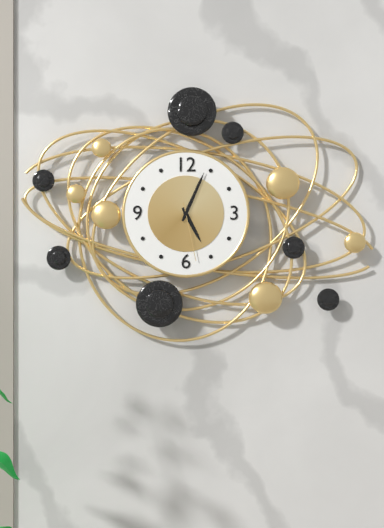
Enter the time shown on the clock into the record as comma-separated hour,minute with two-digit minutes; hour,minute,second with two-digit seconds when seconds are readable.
5,04,28
